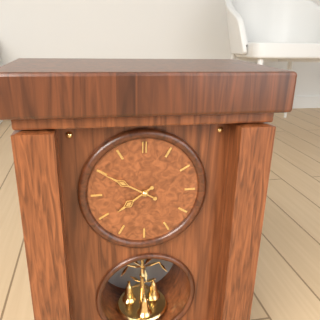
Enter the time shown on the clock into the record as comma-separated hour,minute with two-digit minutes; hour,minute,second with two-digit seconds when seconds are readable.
7,50
